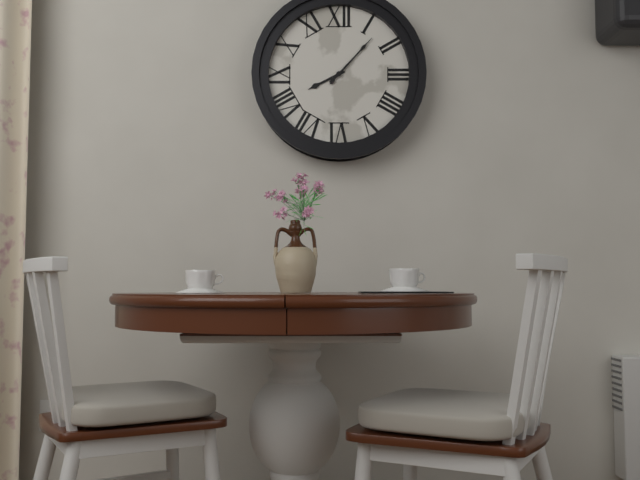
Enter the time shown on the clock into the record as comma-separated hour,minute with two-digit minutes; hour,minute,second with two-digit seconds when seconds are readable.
8,07
